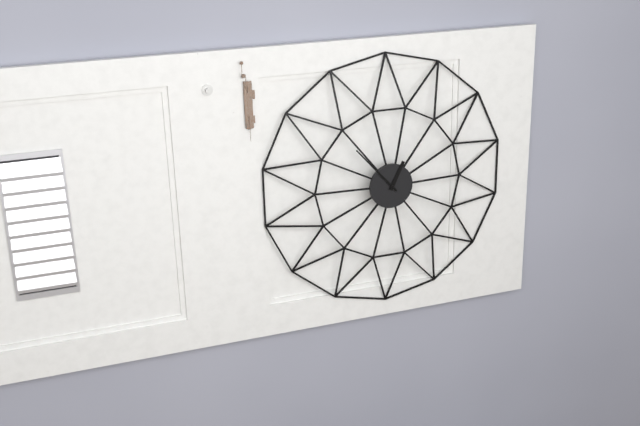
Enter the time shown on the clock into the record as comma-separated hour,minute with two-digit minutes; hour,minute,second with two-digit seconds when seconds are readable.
12,53
